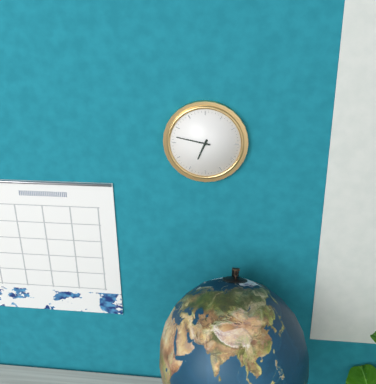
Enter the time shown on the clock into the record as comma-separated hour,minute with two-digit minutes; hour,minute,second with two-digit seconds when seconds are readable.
6,47
